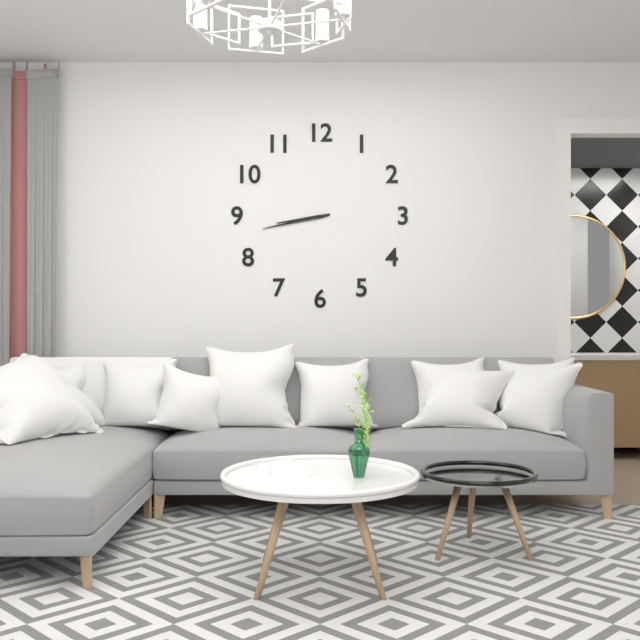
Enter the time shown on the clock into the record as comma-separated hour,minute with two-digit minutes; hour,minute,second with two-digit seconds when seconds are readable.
8,43
